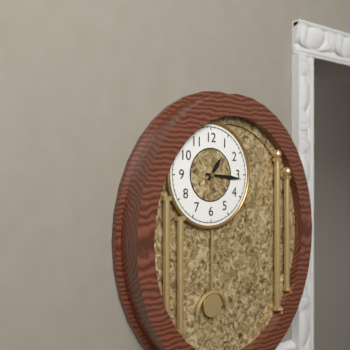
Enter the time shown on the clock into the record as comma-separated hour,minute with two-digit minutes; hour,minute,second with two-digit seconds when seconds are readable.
1,16
